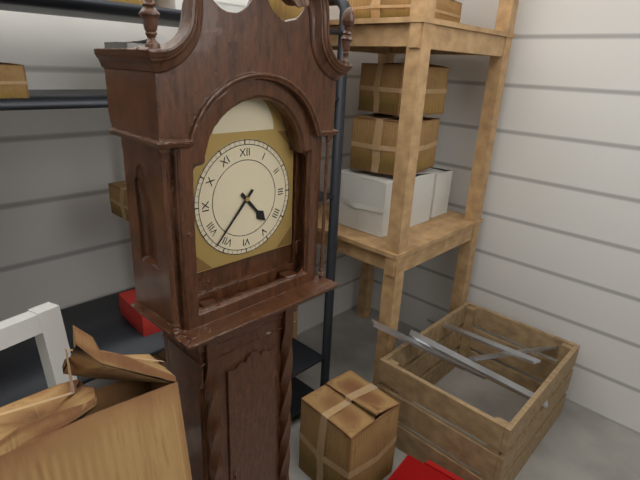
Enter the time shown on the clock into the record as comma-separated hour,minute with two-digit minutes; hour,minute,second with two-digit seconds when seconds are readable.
4,37
